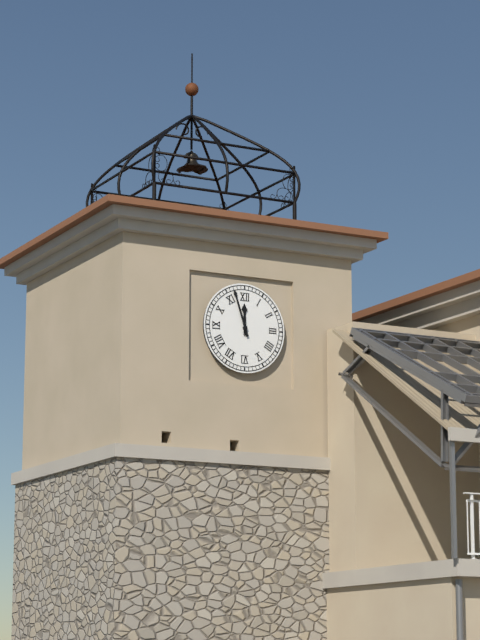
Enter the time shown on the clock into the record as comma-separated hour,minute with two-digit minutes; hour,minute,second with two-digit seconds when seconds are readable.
11,57
